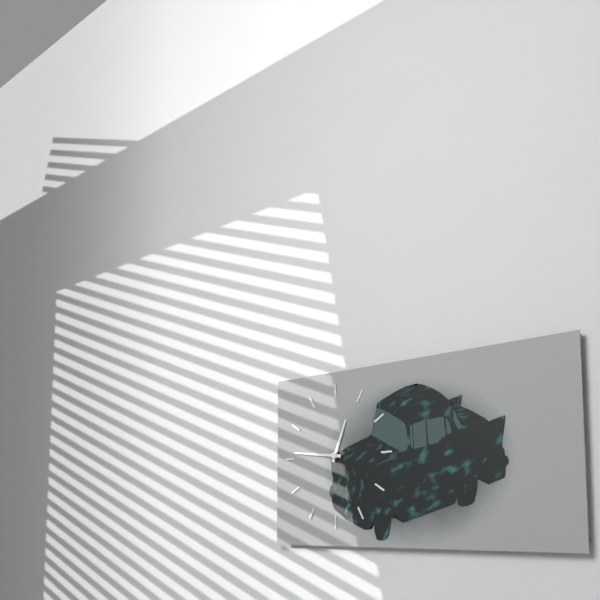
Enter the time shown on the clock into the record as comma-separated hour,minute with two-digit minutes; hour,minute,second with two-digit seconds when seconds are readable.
12,46
